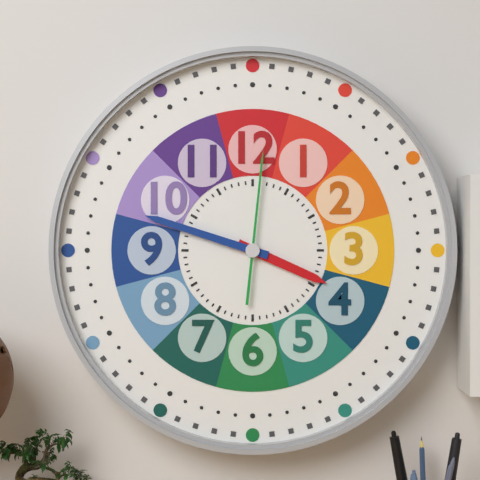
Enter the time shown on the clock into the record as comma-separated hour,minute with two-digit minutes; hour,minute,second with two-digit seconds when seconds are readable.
3,48,01
